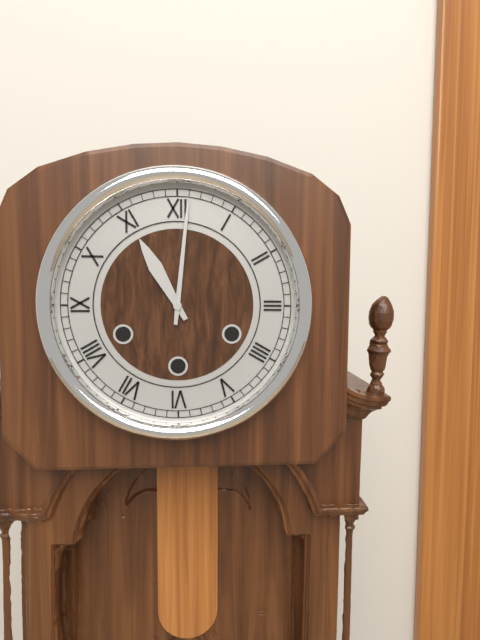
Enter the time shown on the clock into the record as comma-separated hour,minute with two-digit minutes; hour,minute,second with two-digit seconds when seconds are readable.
11,01
